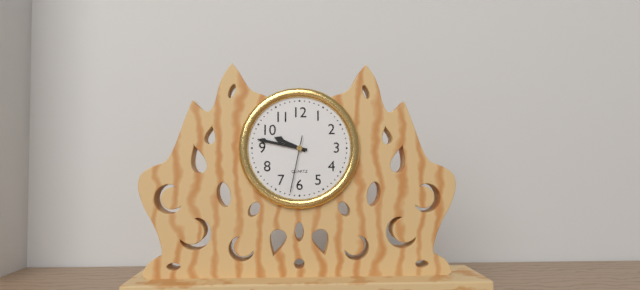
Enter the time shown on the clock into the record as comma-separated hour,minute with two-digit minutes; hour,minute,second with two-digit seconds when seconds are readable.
9,47,32
